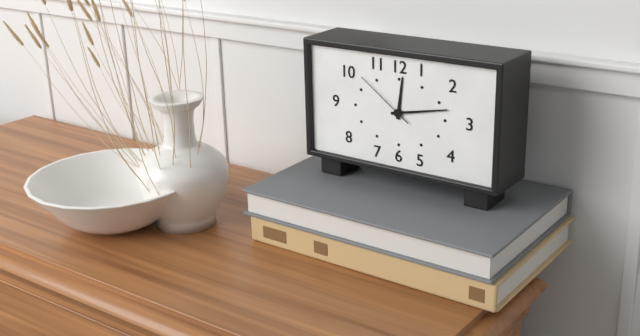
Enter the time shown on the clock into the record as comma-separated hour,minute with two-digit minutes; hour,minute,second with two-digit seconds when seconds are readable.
12,13,51
